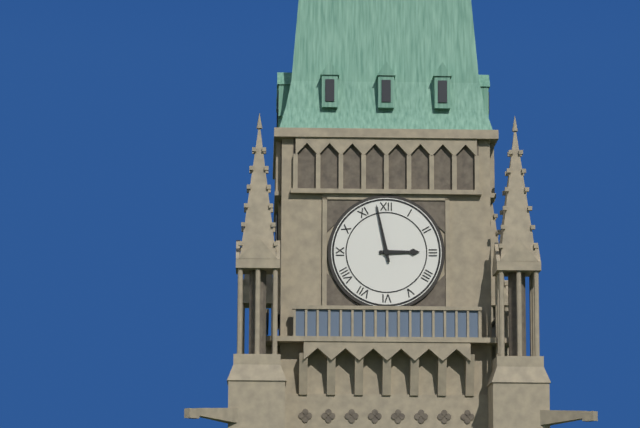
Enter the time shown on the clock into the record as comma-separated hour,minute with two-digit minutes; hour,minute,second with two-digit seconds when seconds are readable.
2,58
